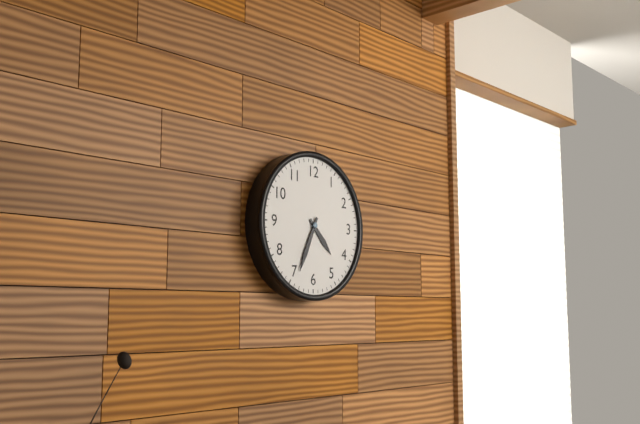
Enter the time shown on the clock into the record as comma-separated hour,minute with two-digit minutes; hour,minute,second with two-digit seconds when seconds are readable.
4,34
